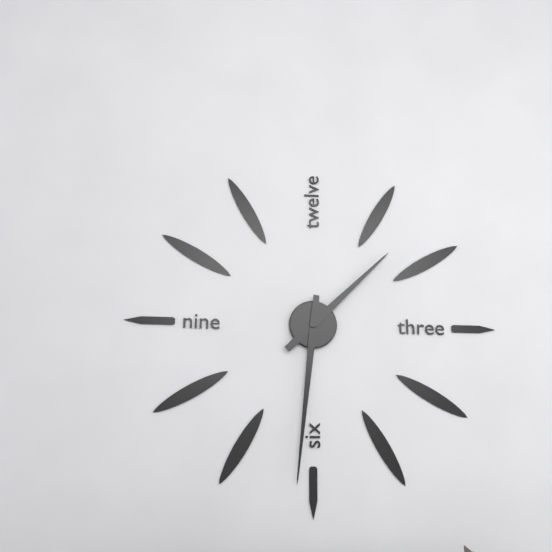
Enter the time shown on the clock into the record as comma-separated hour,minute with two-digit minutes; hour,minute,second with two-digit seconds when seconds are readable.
1,31
